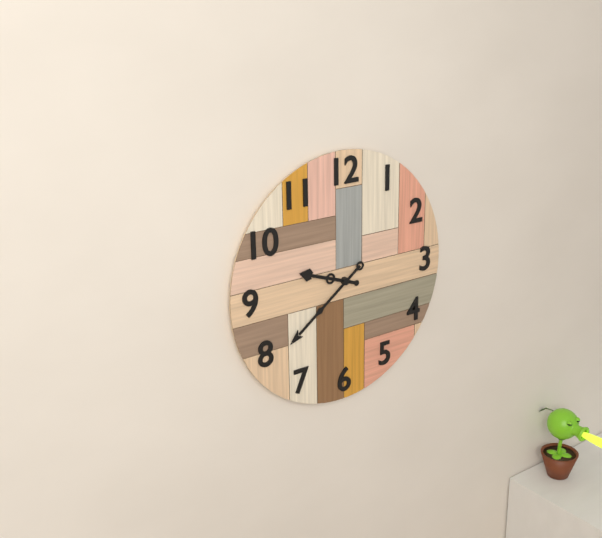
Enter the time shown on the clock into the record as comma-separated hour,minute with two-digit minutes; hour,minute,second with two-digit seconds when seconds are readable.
9,39
